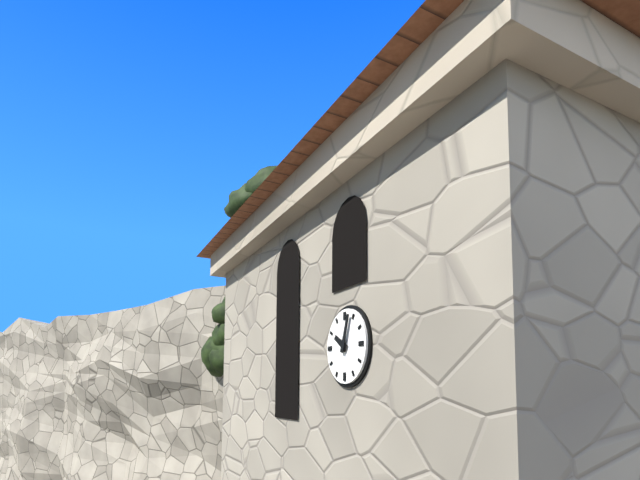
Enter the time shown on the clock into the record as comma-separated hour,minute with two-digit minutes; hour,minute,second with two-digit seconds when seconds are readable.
10,03
